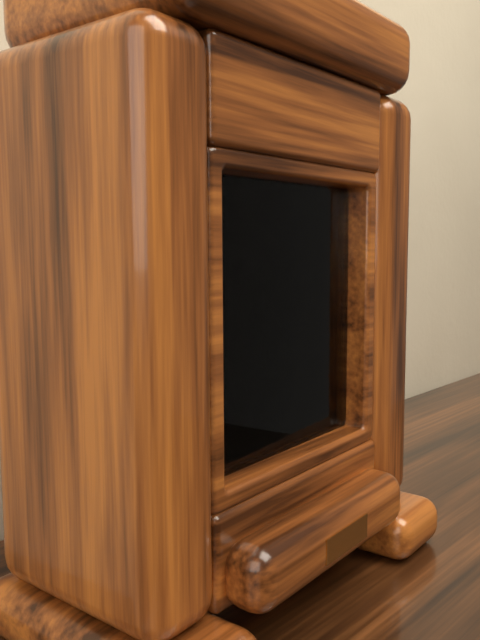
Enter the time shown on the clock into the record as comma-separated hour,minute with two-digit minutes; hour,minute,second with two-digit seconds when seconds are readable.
7,19,31
